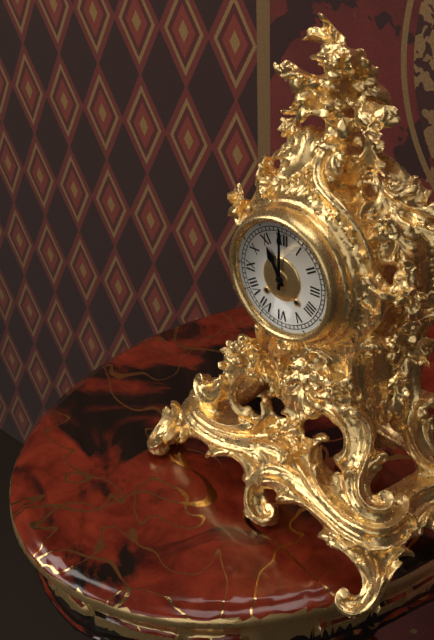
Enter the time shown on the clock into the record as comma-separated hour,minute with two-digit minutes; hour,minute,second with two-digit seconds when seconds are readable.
11,00
